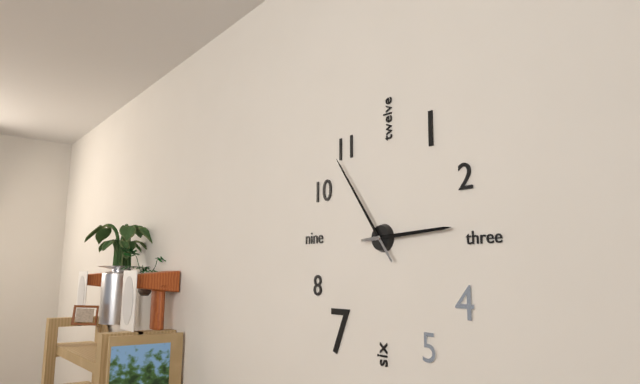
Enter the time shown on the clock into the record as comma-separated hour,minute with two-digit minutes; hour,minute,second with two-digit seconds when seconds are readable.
2,54
